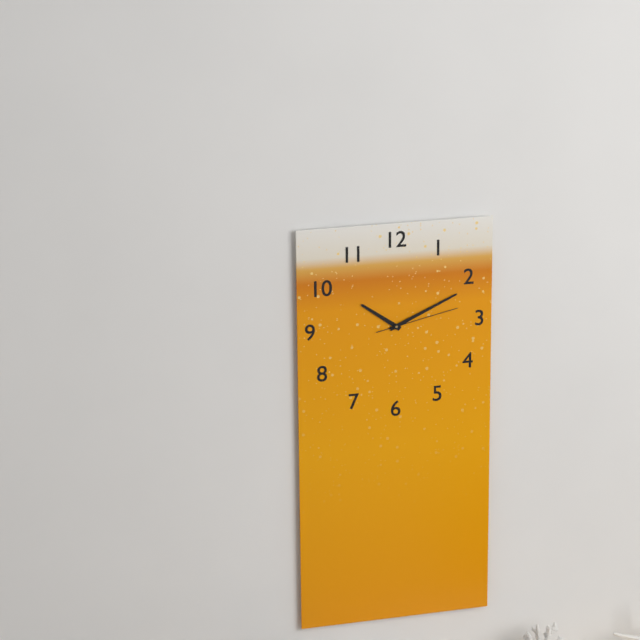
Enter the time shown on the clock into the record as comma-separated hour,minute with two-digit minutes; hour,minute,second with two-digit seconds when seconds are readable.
10,11,13
